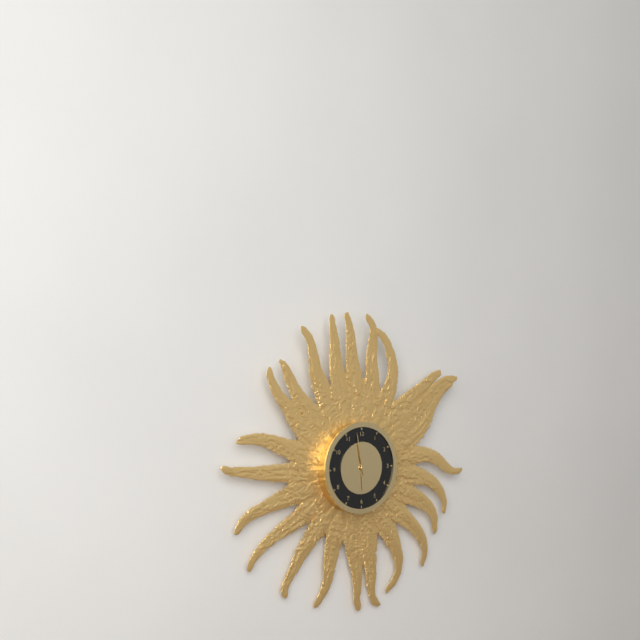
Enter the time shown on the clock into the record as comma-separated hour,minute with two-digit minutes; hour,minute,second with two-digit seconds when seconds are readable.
5,58
